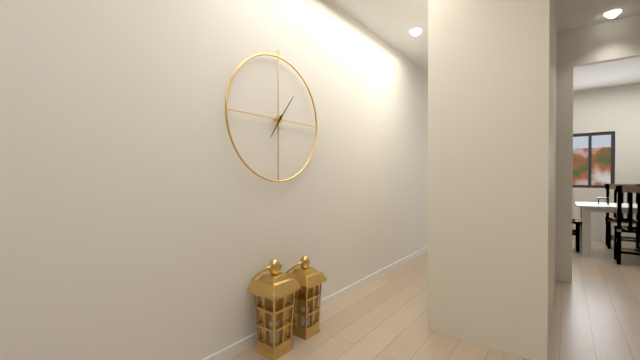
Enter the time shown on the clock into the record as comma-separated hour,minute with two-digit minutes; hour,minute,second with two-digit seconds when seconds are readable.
7,06
